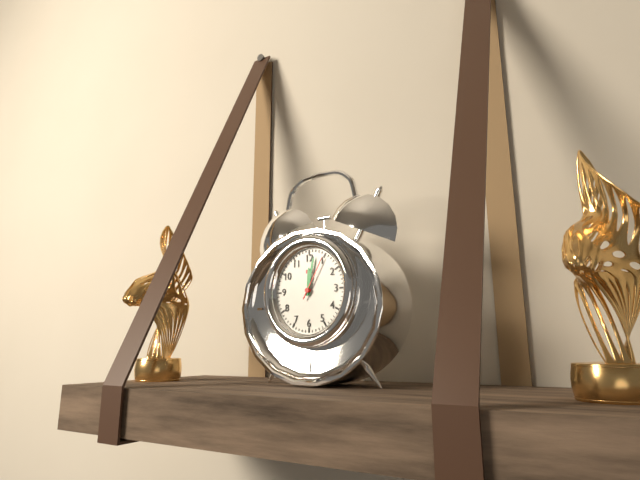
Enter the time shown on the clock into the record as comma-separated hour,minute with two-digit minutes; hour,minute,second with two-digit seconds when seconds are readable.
12,02
